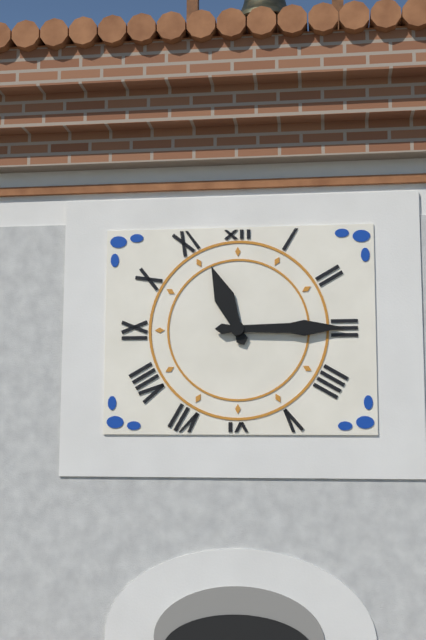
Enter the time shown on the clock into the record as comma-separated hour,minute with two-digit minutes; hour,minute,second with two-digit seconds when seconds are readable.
11,15
